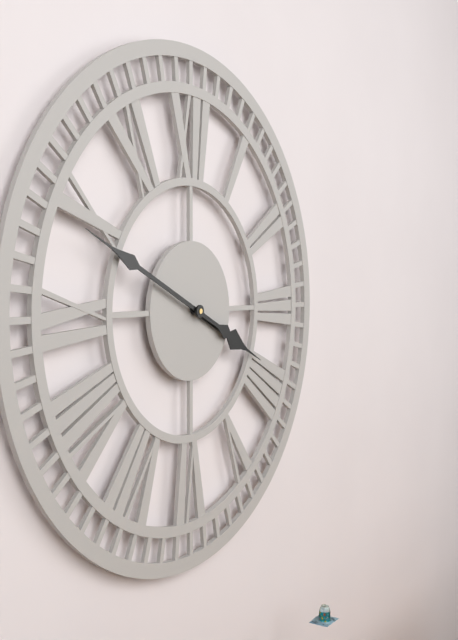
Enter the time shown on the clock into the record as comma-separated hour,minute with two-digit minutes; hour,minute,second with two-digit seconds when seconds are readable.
3,49
